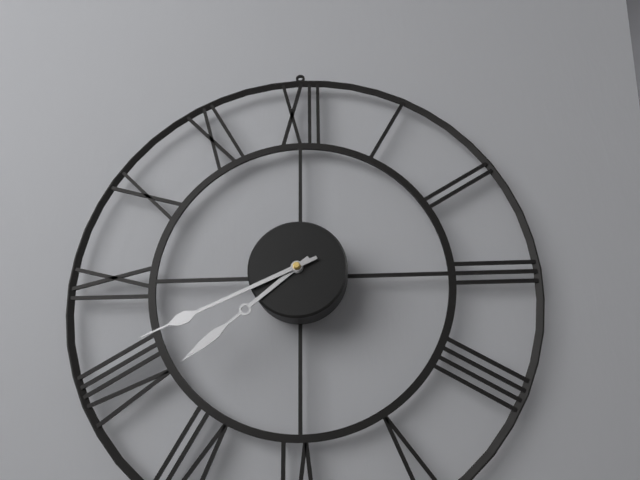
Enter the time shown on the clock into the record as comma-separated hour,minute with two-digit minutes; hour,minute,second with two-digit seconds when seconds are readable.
7,41
